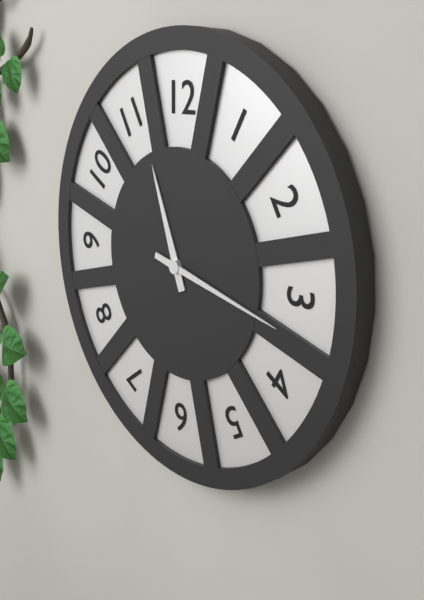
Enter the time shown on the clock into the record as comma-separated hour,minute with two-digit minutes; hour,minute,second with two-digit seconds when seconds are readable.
11,17
